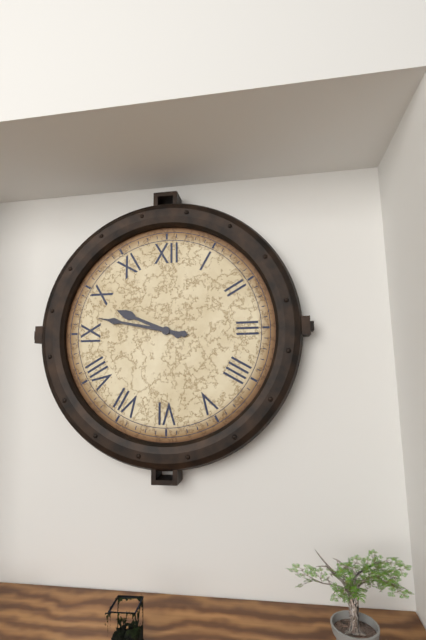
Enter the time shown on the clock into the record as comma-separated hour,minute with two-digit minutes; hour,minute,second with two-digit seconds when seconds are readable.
9,47
